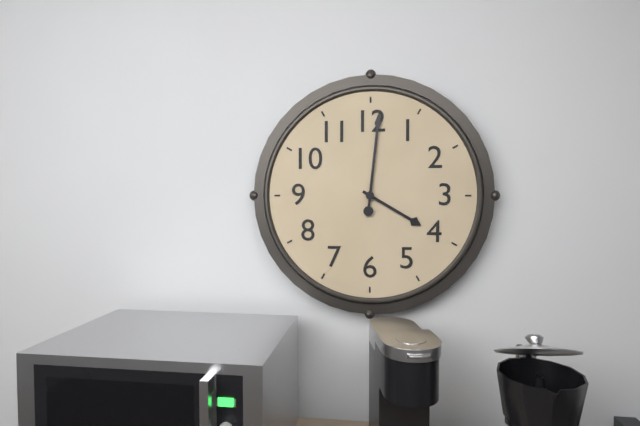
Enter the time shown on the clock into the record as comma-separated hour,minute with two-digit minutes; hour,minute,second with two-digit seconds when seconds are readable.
4,01
